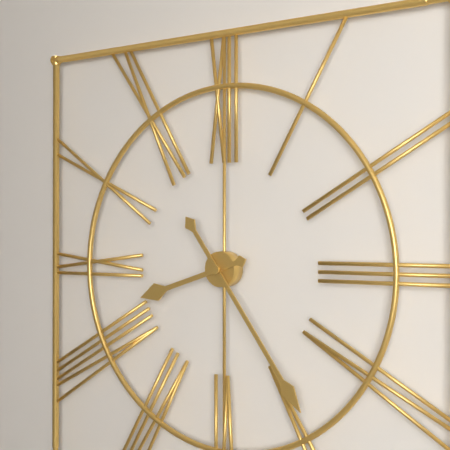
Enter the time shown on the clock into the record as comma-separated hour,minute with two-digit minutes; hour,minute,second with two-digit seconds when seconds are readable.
8,24
